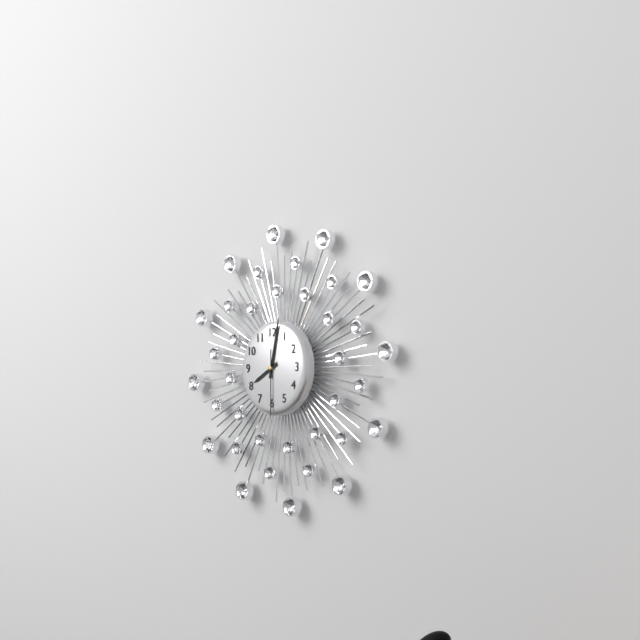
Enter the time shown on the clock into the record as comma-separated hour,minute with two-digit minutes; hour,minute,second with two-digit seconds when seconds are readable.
8,02,30
